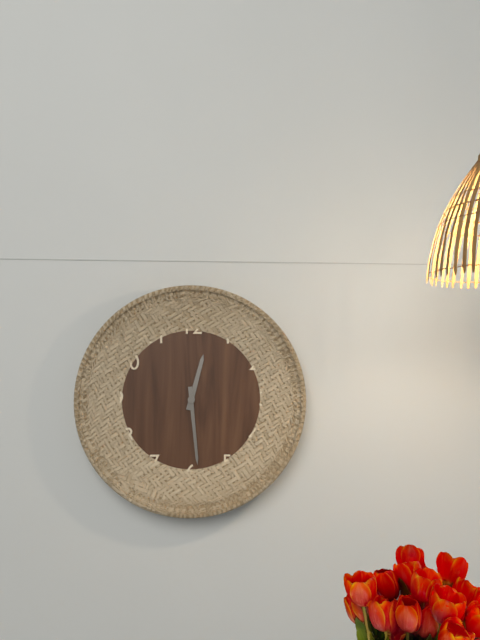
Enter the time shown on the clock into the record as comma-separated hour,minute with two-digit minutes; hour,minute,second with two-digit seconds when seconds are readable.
12,29
